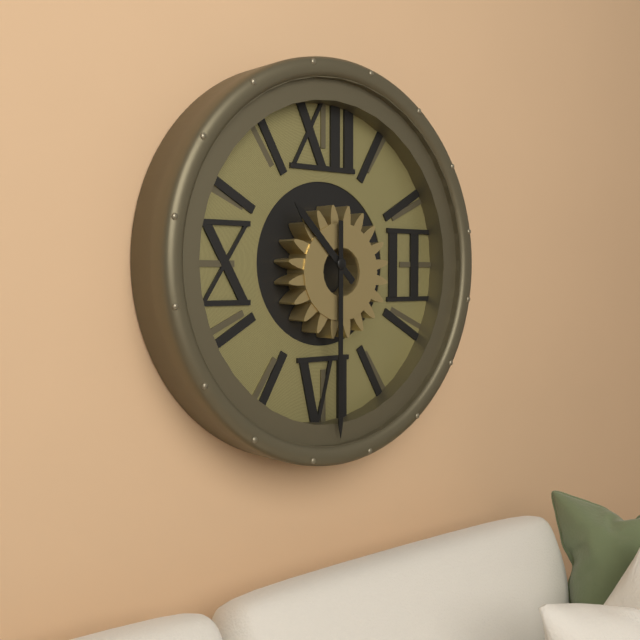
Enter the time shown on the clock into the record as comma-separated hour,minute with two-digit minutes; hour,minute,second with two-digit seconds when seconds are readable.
10,30
